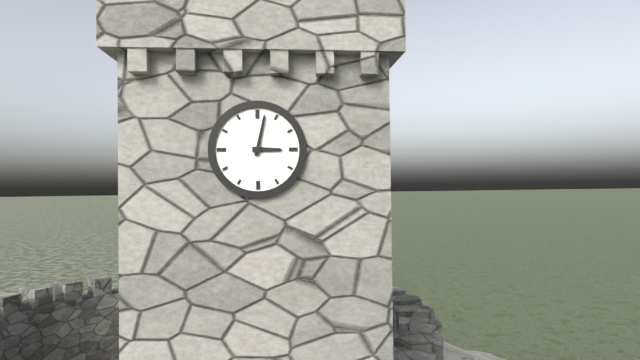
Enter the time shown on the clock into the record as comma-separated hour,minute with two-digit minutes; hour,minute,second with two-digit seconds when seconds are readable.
3,02
